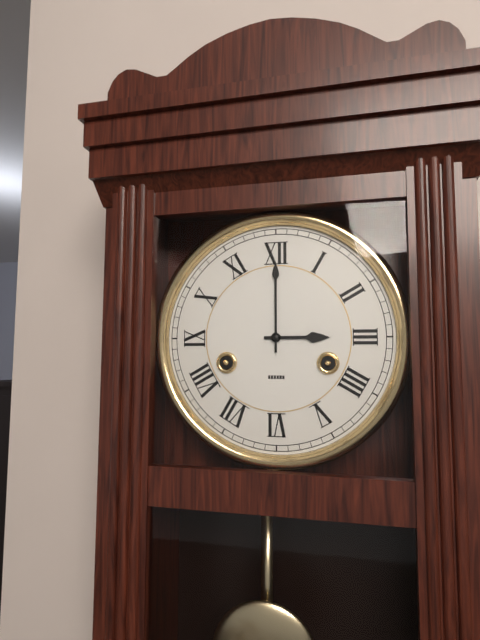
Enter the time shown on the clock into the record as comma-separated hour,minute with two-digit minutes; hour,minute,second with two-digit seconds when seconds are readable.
3,00
